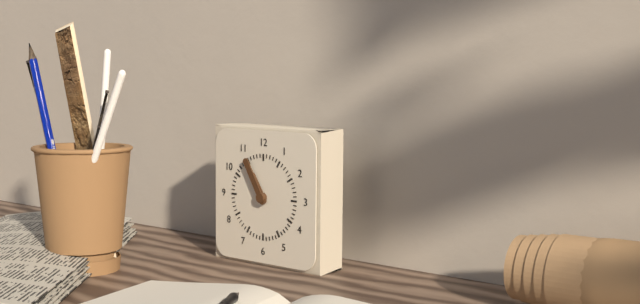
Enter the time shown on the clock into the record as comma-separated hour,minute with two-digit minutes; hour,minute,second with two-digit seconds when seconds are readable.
10,55
